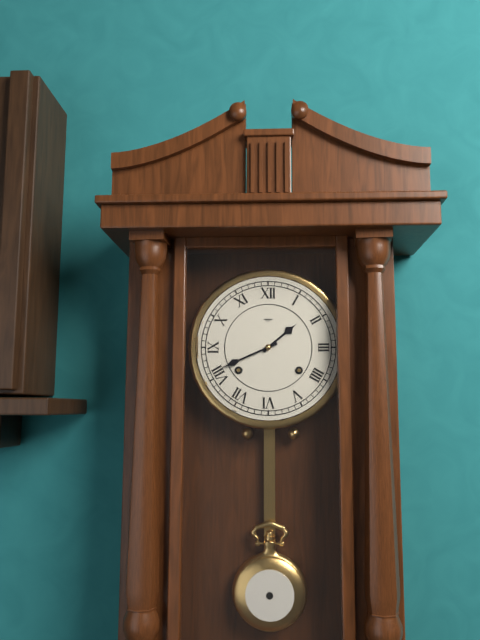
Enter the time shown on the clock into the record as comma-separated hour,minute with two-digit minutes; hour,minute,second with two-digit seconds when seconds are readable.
1,41
